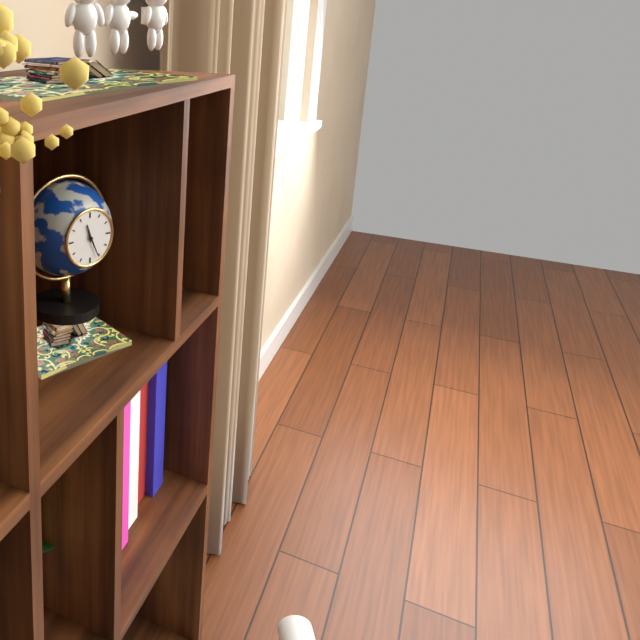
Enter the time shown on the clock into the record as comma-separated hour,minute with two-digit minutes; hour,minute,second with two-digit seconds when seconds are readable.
11,26
